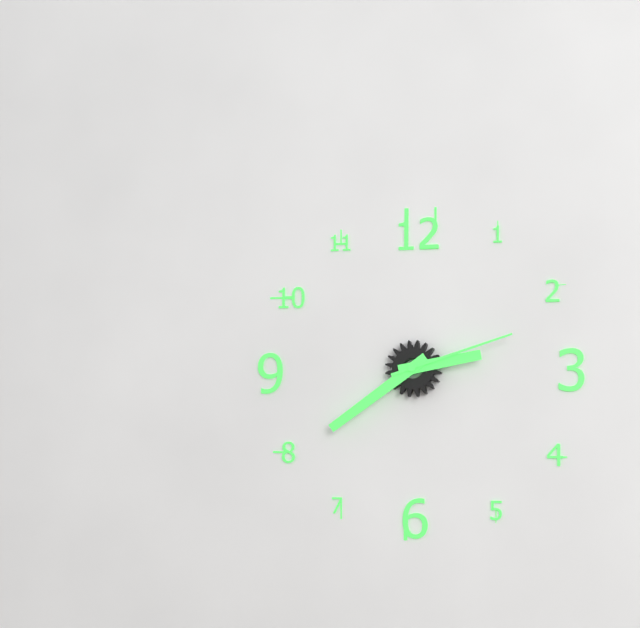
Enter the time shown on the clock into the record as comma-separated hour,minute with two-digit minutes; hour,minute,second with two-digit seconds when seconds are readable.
2,39,12
